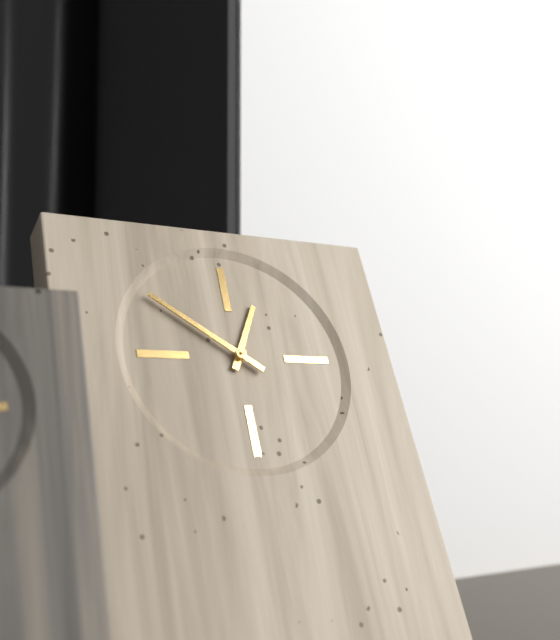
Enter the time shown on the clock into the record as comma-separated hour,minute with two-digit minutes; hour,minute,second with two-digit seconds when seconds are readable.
12,51
